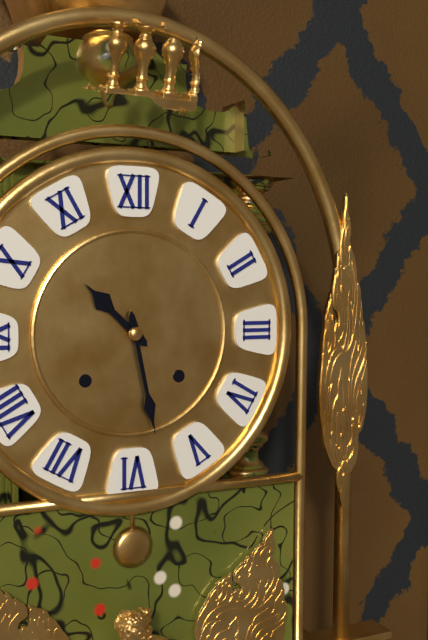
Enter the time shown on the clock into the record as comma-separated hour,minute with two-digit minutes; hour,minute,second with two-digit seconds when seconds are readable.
10,28
